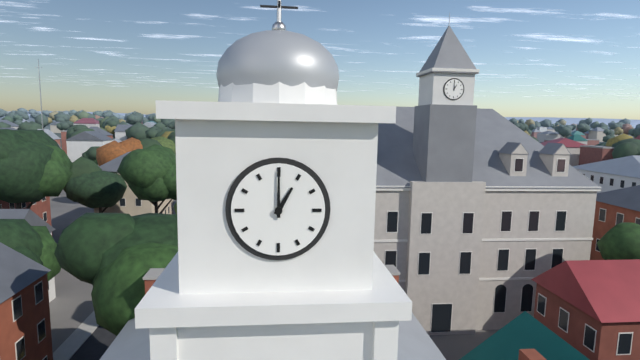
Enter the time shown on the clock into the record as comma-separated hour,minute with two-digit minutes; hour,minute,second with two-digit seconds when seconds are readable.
1,00
